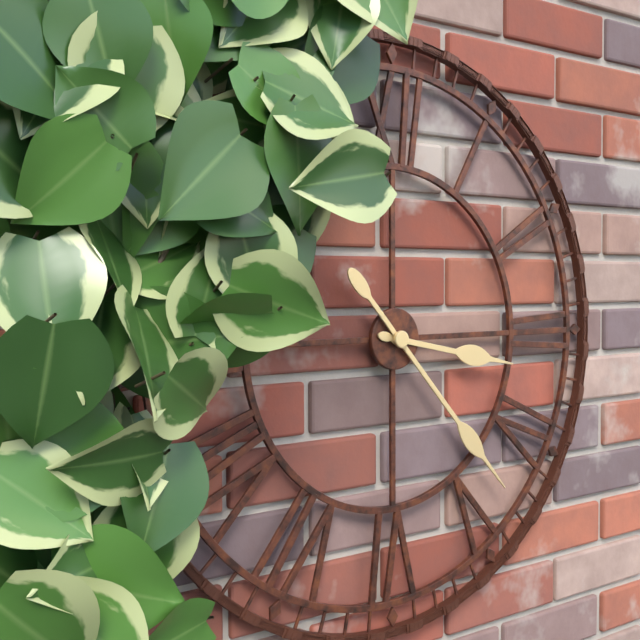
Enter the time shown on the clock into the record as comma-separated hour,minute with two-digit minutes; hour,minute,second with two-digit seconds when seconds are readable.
3,23
